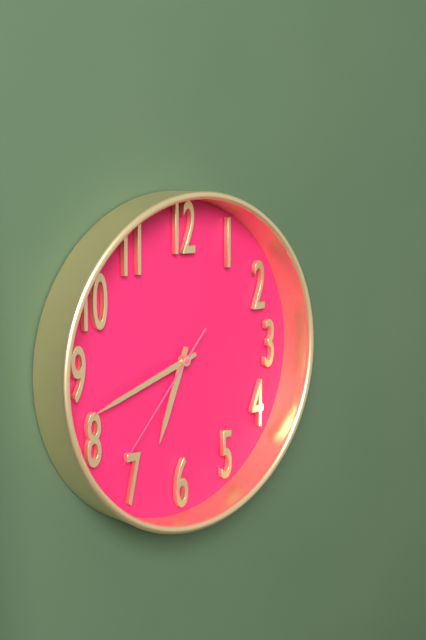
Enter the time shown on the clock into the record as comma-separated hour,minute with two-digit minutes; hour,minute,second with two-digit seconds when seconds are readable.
6,42,37
